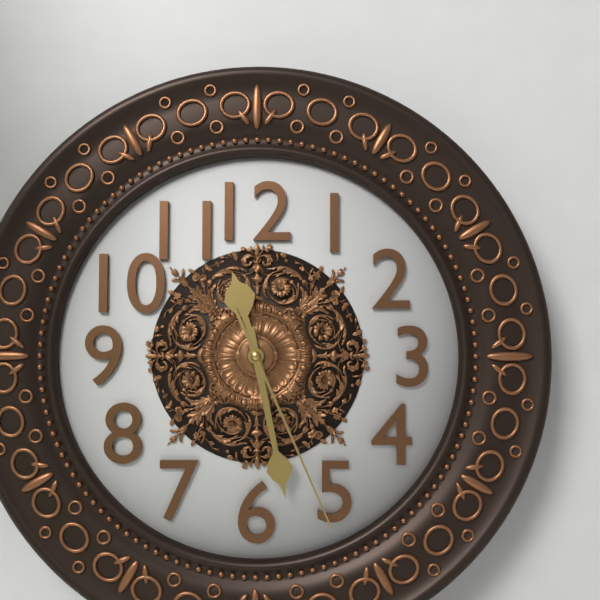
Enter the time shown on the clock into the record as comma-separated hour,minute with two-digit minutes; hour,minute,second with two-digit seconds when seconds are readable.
11,28,26
